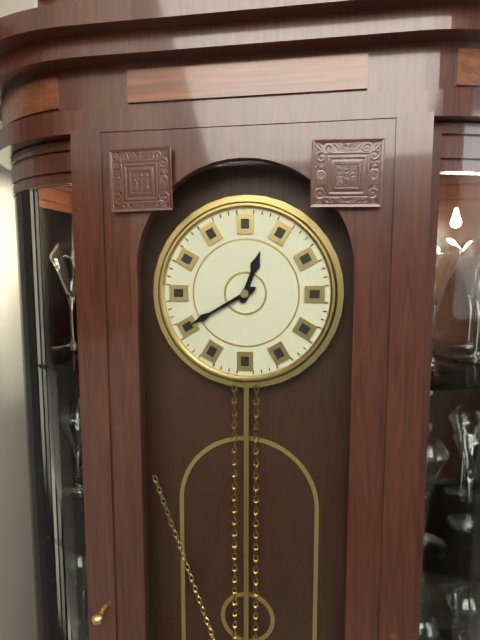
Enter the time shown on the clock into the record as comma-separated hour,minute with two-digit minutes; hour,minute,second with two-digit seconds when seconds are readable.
12,40
